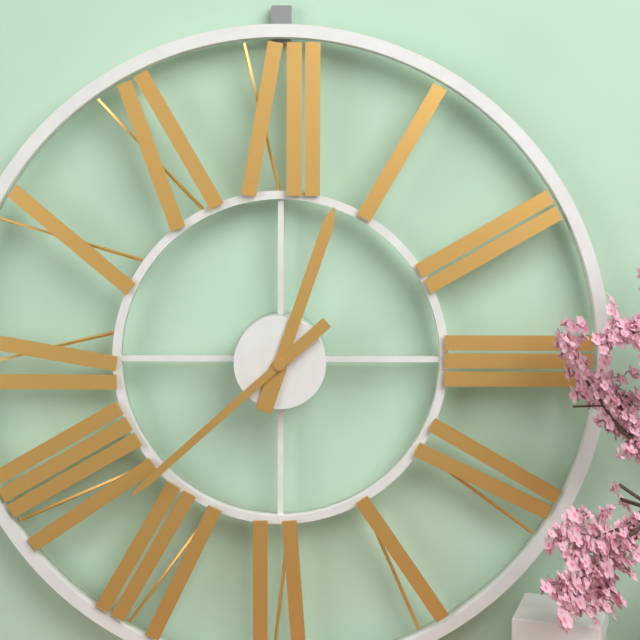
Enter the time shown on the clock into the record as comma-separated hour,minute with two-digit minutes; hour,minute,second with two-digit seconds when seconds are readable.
12,38
